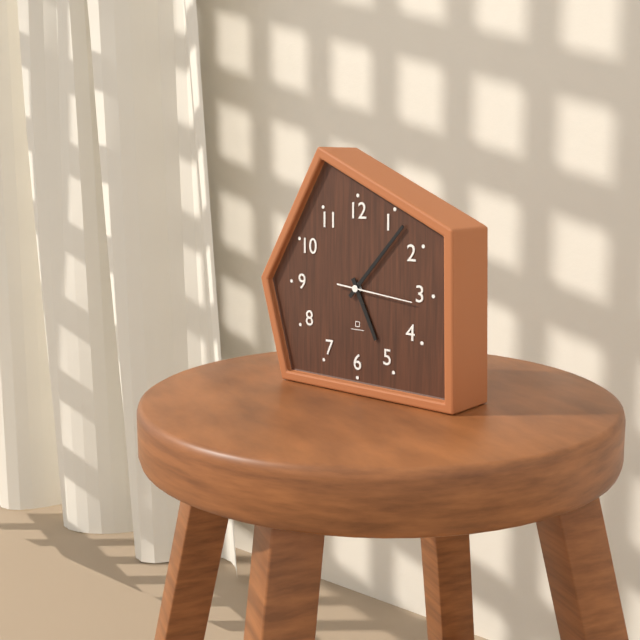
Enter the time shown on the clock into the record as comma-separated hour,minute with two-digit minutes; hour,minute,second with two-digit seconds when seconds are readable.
5,07,16
